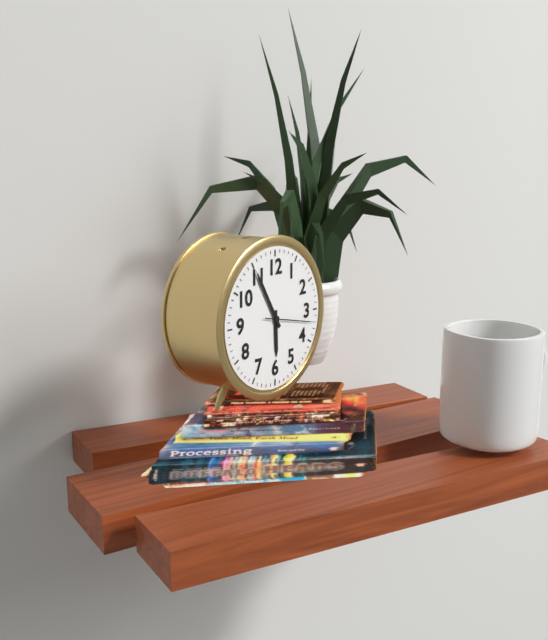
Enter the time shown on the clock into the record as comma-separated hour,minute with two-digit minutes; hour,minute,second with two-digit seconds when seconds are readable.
5,55,17
